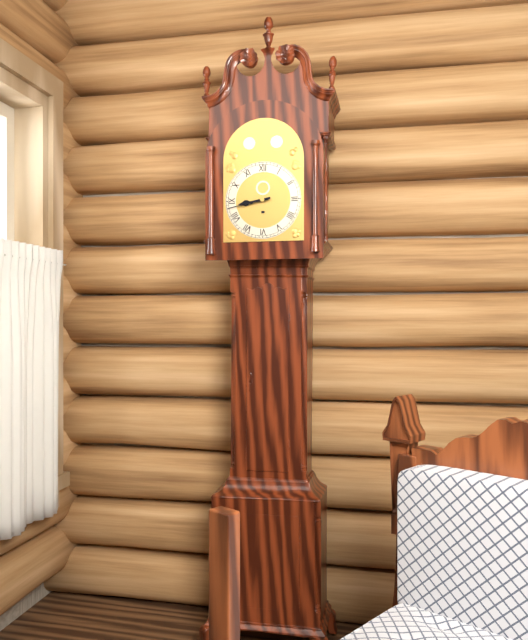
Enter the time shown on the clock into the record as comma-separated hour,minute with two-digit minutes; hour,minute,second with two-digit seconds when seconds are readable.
8,43
